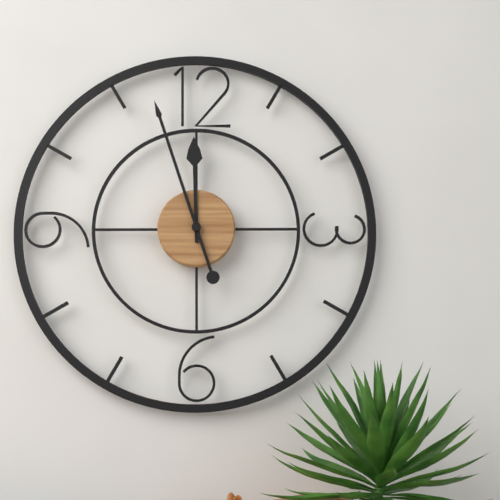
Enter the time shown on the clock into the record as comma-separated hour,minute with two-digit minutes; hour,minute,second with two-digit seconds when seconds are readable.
11,57
